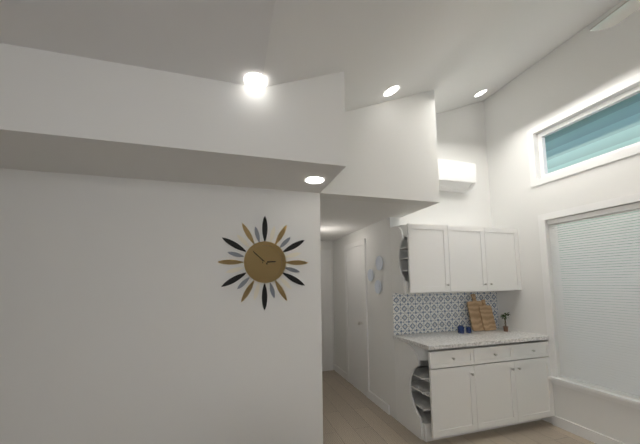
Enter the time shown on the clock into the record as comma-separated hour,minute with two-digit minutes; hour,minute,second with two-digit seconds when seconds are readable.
2,52
